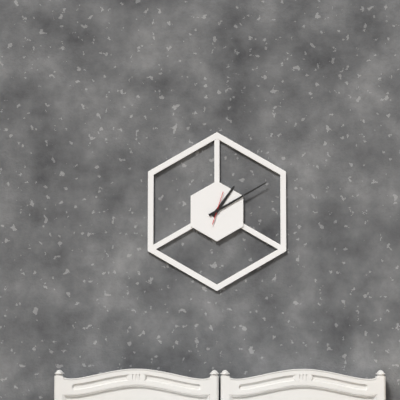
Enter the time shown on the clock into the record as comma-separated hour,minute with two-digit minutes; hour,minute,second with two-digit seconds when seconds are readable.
1,10
